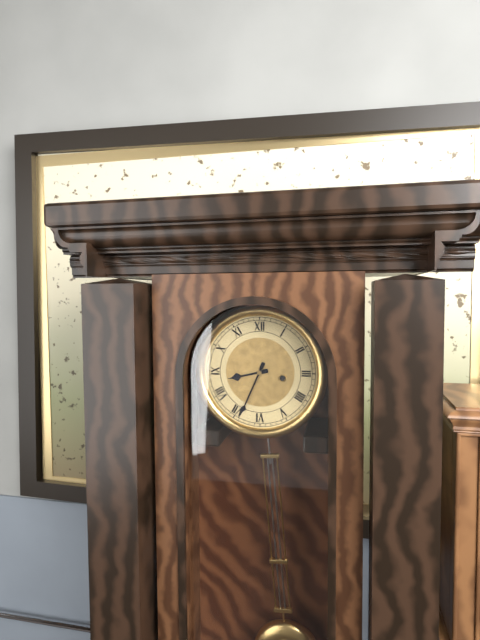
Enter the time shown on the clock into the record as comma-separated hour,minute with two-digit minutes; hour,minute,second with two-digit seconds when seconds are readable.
8,34
